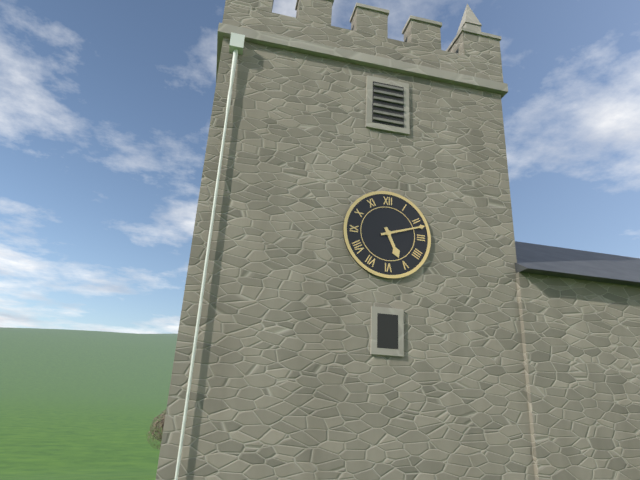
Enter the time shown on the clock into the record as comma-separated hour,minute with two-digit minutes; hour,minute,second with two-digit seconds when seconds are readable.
5,12
